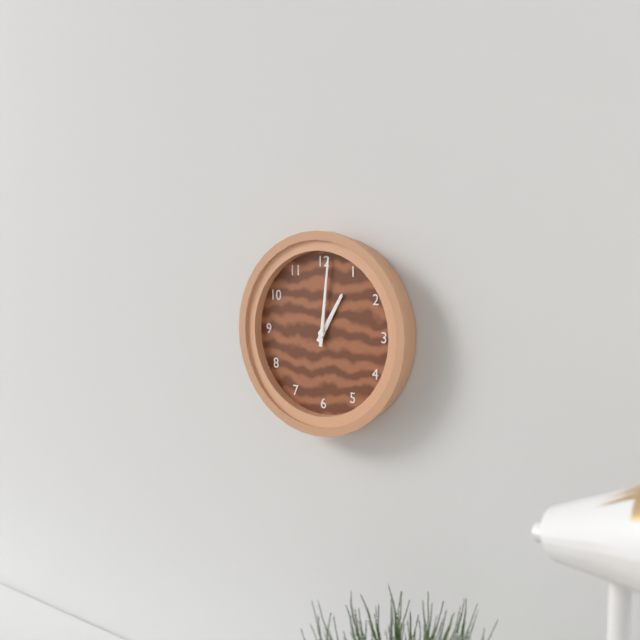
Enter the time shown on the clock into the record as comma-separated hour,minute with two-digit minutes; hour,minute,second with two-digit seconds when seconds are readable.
1,01
